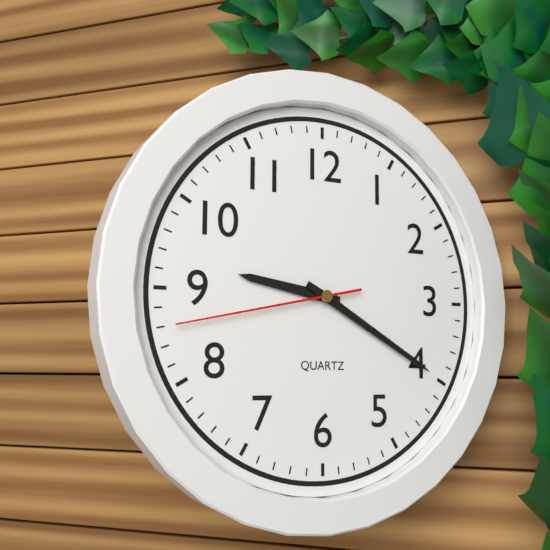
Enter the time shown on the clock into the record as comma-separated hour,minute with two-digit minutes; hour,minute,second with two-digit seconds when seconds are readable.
9,20,43
